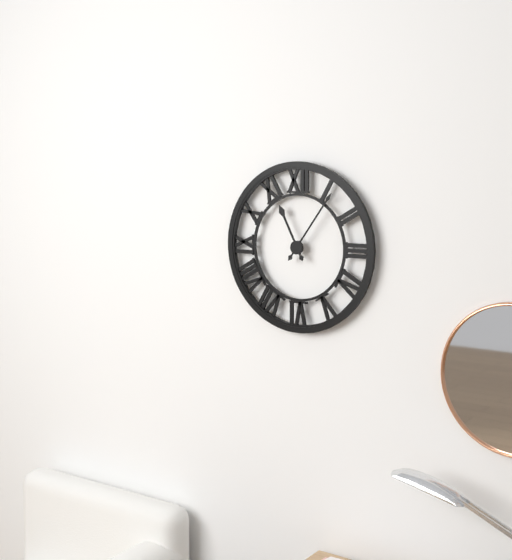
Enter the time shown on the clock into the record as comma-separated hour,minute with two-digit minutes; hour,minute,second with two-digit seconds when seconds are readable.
11,06
